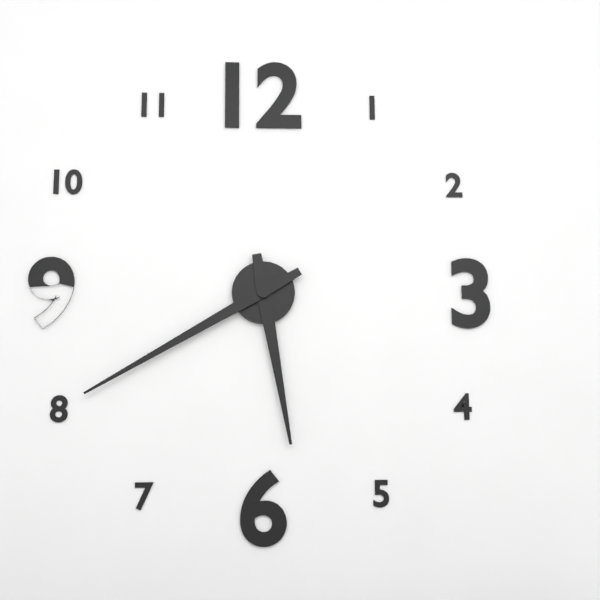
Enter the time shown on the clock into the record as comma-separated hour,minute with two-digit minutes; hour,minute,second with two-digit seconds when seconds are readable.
5,40
